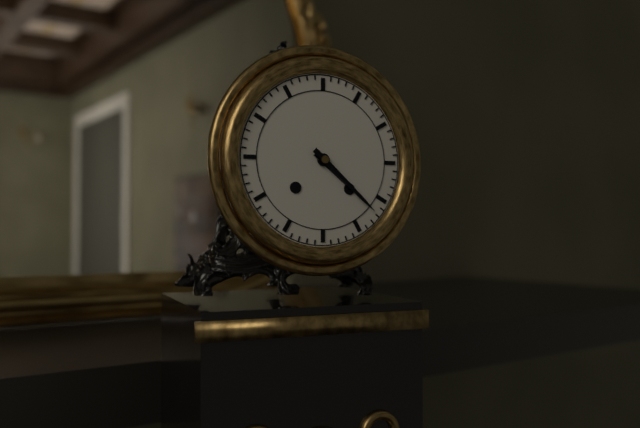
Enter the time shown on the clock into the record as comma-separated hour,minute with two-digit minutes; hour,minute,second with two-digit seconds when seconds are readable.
4,22
